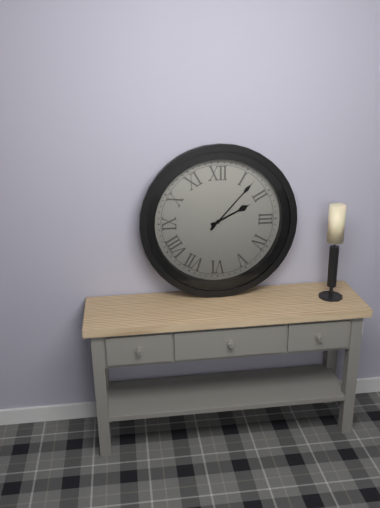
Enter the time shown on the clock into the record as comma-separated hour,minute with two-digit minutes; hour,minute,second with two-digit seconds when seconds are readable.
2,07
